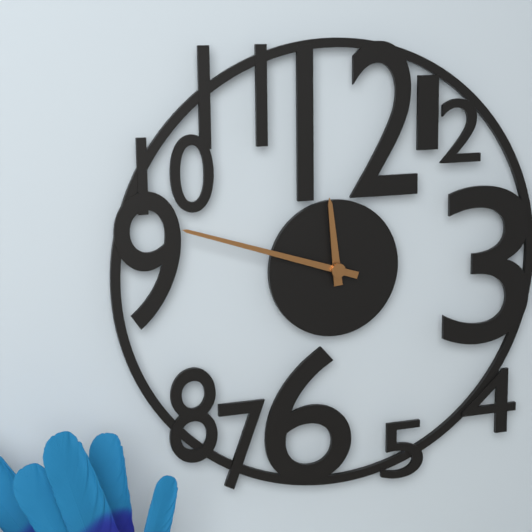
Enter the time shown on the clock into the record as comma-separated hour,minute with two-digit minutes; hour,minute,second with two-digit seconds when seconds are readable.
11,48
